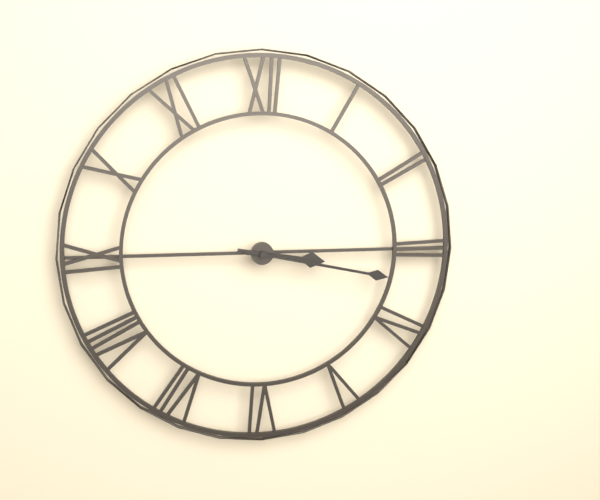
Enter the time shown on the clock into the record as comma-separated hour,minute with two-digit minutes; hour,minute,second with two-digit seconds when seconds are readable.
3,17
